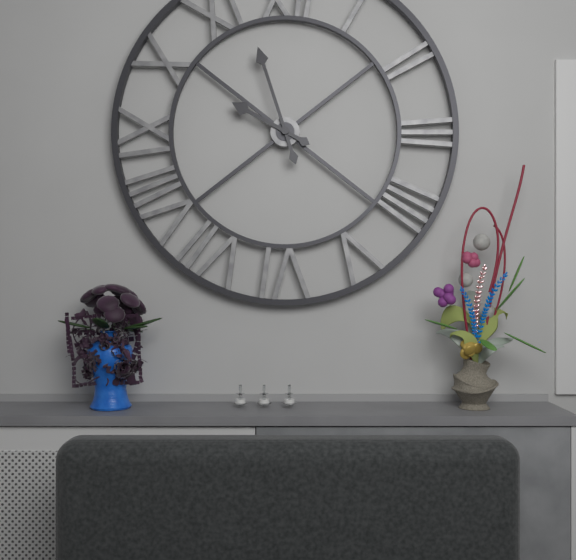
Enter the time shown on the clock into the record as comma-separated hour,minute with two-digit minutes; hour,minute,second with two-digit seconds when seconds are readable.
9,57
